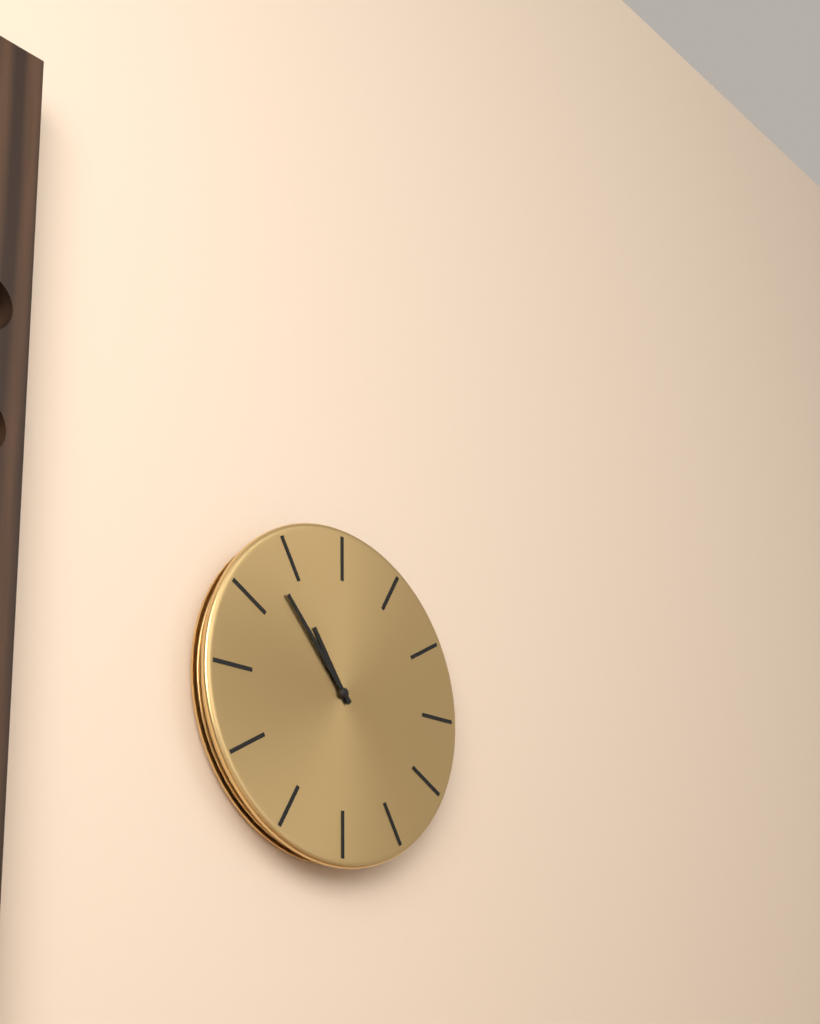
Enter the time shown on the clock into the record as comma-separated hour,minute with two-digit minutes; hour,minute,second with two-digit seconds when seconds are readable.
10,53
